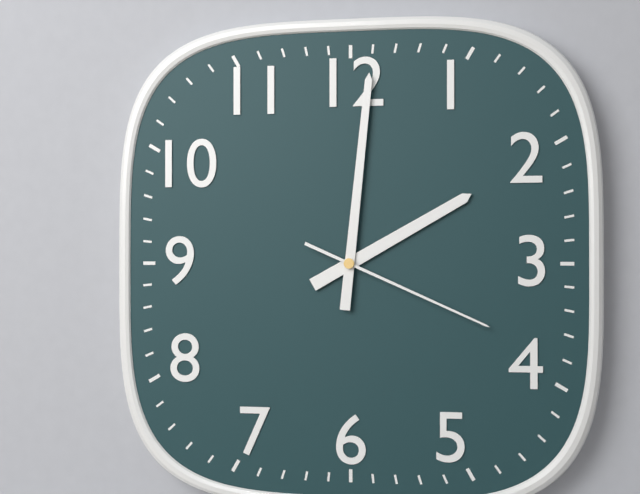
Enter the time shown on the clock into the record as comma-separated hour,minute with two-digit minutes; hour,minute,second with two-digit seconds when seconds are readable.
2,01,19
